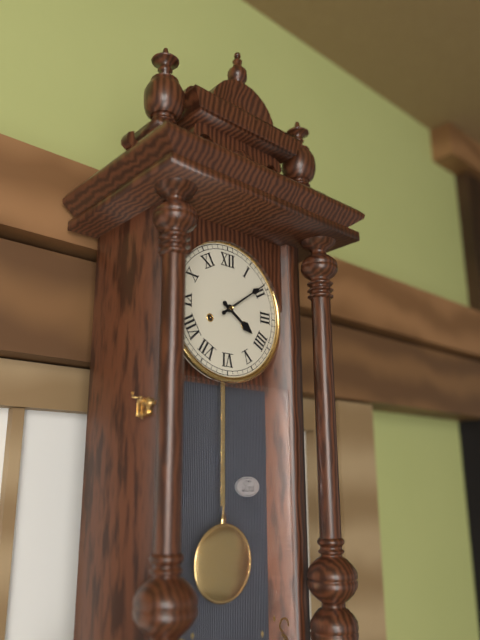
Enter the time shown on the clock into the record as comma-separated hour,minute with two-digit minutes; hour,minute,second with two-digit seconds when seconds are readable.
4,09
